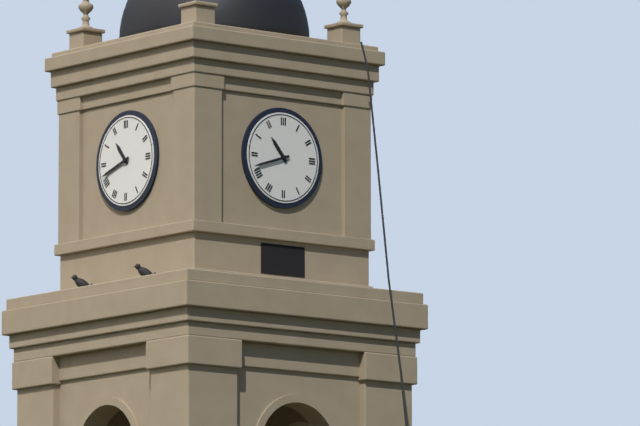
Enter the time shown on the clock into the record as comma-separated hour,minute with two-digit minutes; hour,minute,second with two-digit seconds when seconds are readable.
10,42
